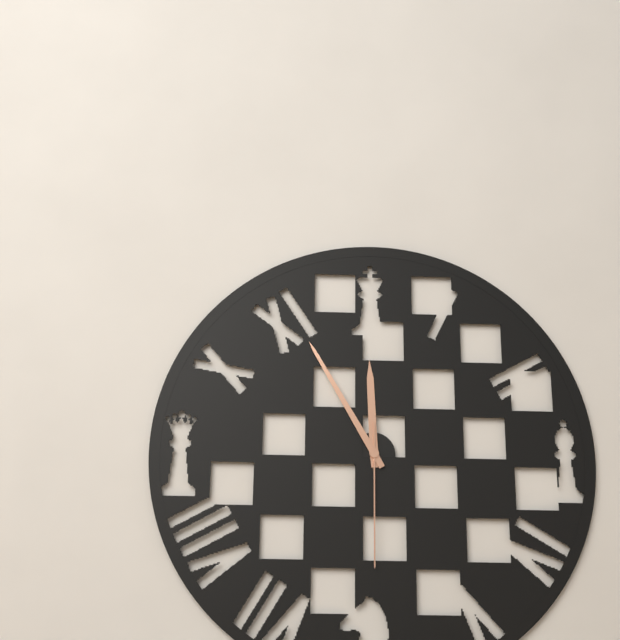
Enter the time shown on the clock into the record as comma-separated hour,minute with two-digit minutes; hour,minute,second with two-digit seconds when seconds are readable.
11,55,30
